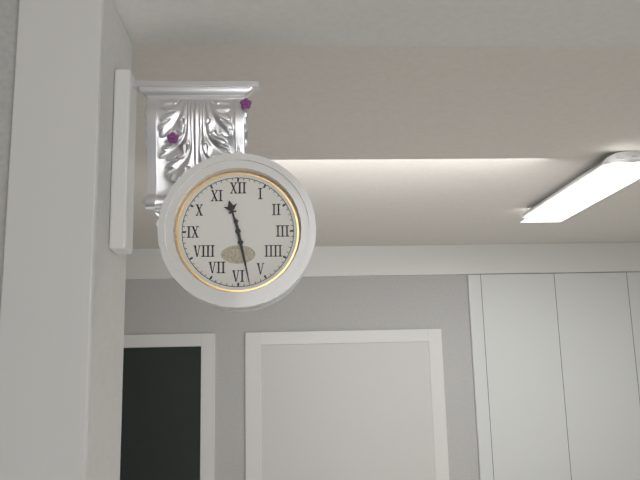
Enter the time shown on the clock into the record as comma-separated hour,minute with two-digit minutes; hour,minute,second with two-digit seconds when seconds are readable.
11,28
